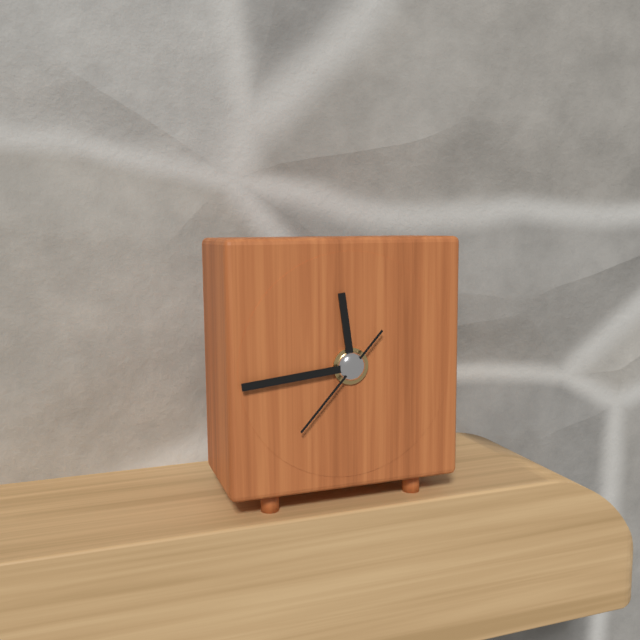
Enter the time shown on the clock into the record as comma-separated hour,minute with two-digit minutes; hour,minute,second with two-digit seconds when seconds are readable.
11,44,37
